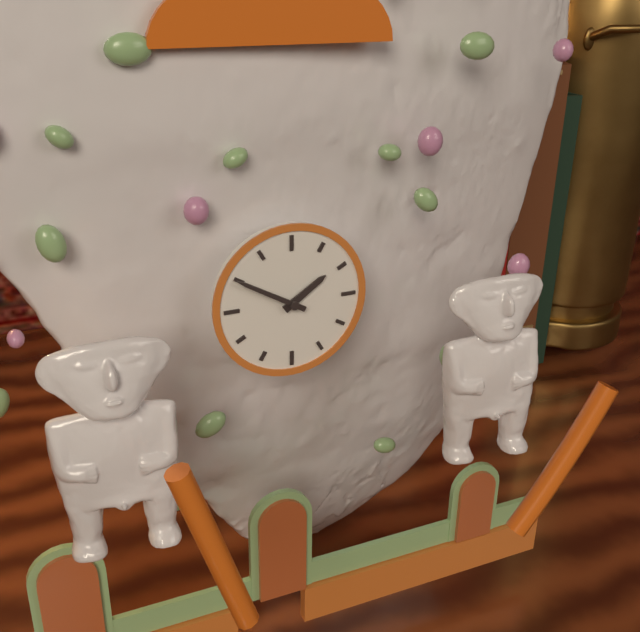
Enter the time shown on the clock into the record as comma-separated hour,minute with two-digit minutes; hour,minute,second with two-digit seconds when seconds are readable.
1,50
